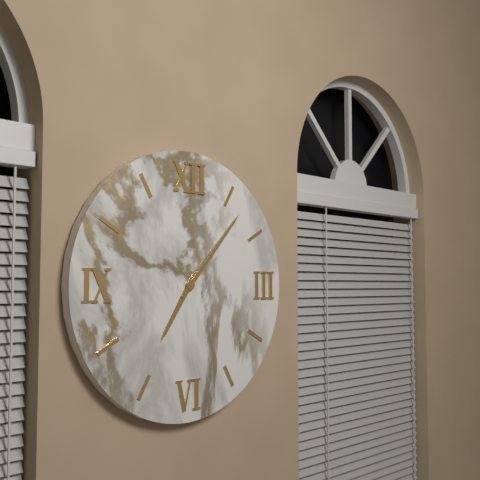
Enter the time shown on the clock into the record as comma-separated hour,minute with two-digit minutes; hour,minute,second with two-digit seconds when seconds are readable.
7,07
